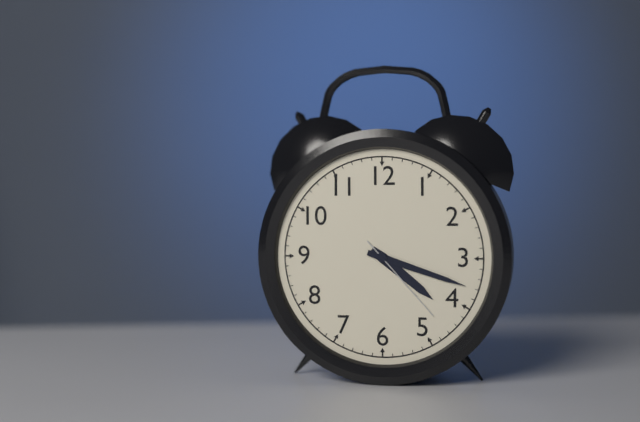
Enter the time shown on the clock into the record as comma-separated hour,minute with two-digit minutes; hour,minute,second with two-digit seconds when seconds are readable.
4,18,23
